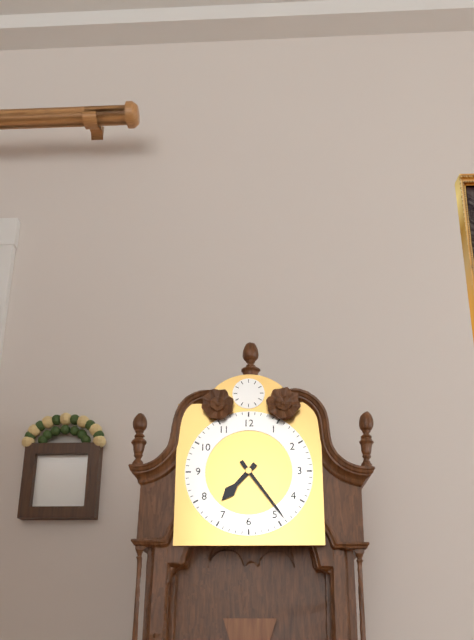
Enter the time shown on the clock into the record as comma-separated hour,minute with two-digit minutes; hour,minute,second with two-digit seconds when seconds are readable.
7,24
